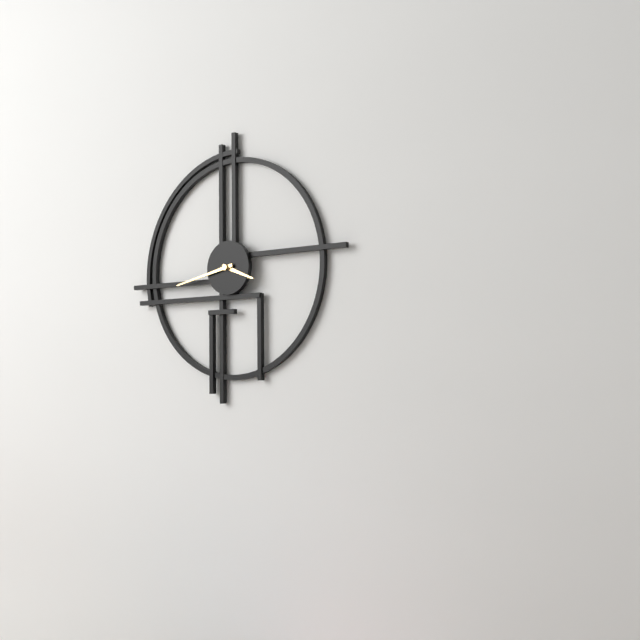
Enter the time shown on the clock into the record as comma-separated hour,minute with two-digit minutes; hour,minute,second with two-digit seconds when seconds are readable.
3,43
